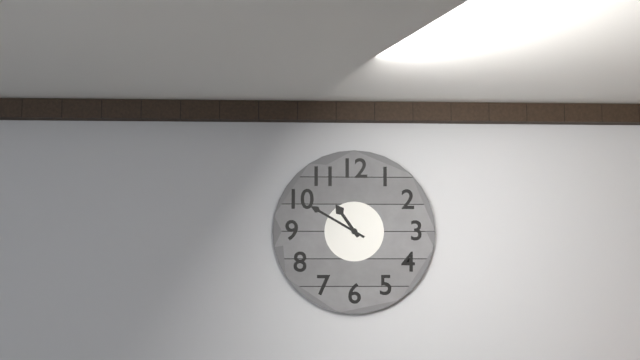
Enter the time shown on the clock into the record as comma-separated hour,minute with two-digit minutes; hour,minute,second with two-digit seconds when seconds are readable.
10,50
